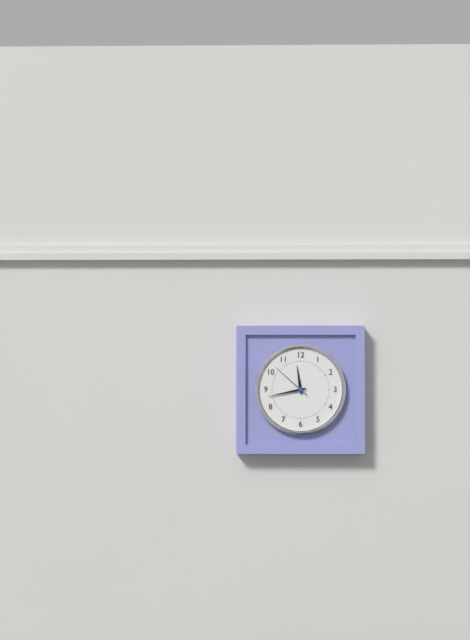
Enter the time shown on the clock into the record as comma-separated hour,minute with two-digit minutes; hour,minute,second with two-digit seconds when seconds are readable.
11,43
